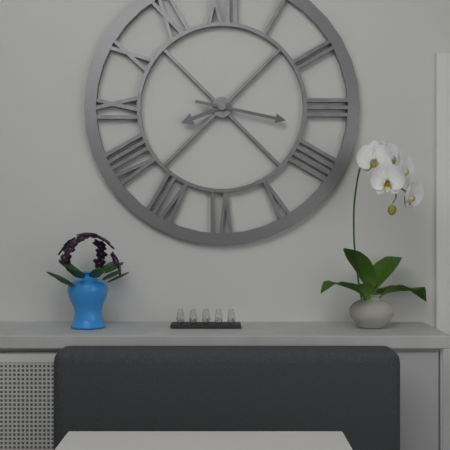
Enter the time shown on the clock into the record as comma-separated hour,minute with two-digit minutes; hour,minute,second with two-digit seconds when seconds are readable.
8,17
